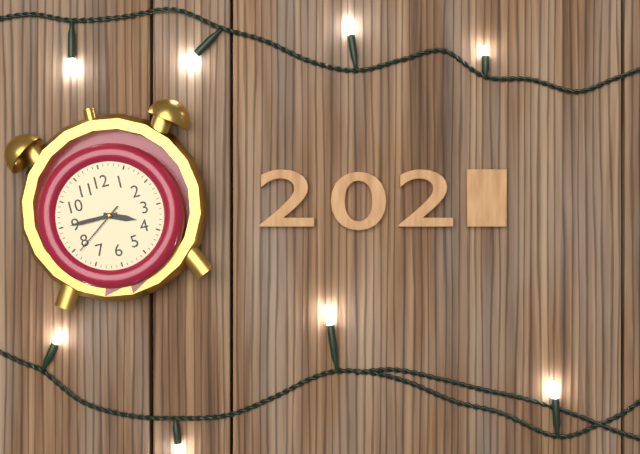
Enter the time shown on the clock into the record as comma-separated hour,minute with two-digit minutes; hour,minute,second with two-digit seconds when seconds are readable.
3,45,39
